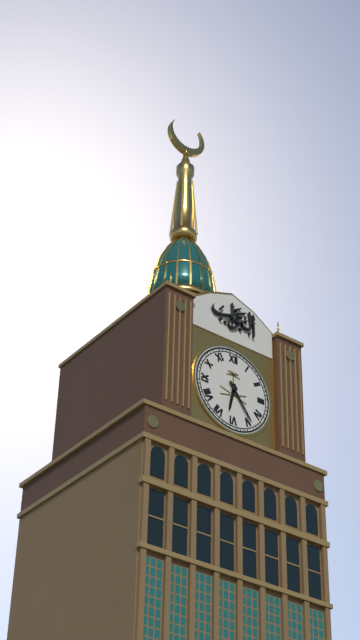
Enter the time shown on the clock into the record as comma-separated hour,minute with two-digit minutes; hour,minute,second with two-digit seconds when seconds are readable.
6,24
